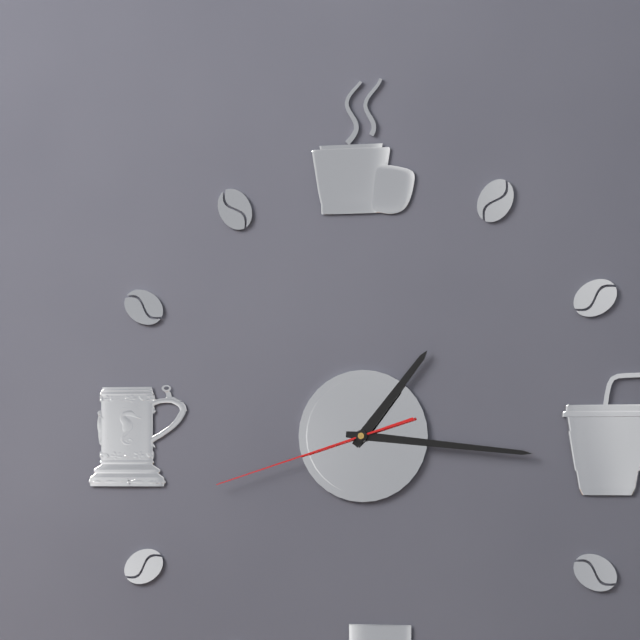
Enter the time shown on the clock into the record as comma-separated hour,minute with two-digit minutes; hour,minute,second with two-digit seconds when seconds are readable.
1,16,42
